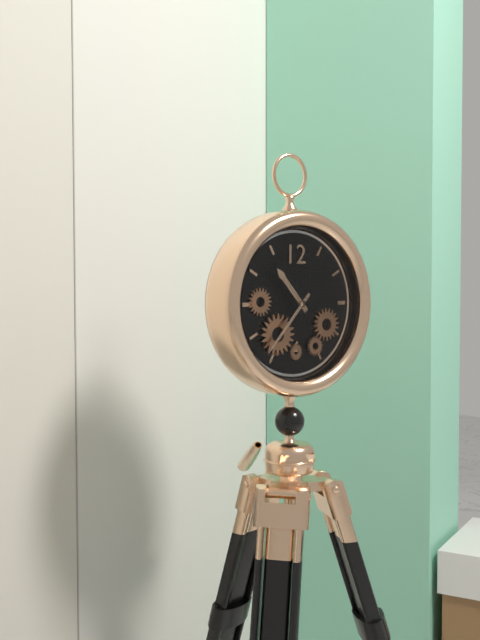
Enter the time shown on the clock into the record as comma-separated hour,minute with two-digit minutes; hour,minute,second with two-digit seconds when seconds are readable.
10,37
